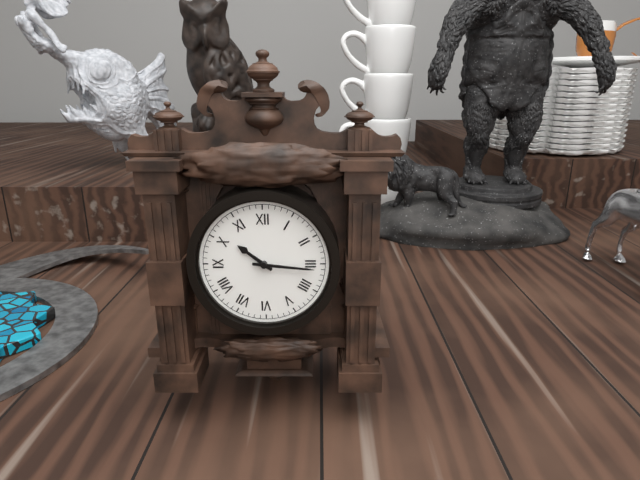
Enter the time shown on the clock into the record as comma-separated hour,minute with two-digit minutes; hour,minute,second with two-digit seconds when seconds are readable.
10,16
